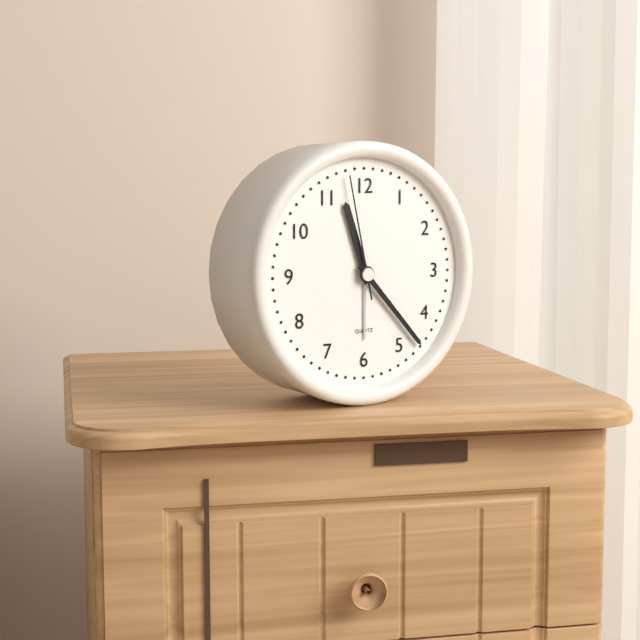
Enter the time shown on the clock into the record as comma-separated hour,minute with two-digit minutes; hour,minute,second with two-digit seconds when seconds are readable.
11,23,58
